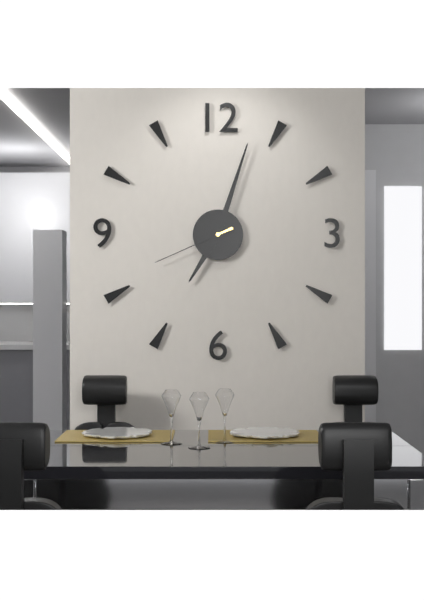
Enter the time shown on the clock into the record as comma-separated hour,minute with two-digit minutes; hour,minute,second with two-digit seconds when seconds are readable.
7,03,41
